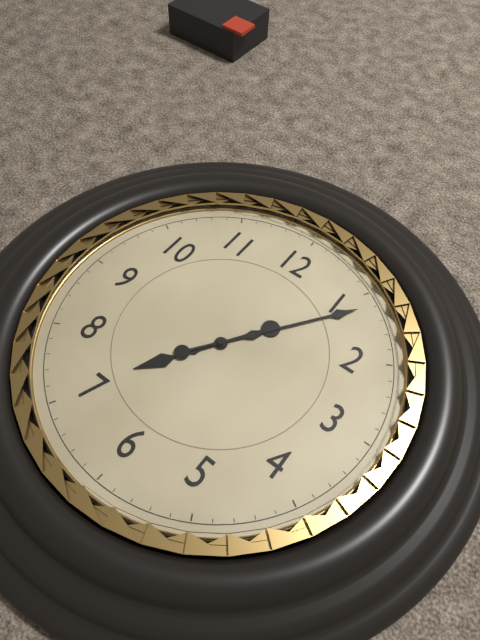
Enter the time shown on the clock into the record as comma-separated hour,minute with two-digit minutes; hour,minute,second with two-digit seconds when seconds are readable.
7,06
